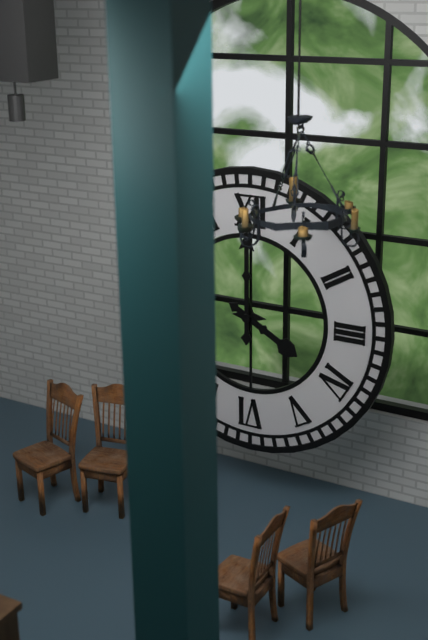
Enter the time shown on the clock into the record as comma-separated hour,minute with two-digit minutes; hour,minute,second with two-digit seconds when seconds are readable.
4,00
